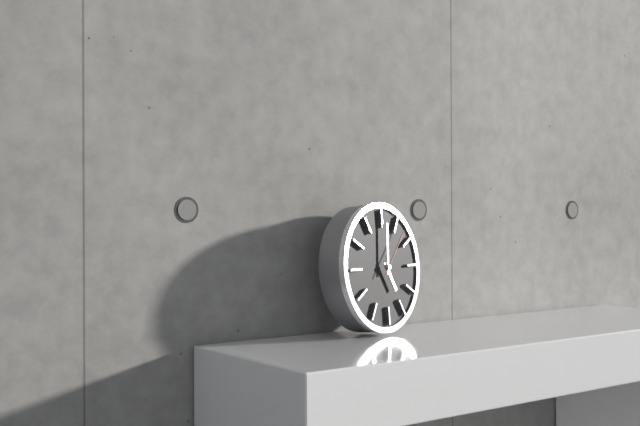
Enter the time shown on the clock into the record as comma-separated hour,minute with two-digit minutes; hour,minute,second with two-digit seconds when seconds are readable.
5,01,07
